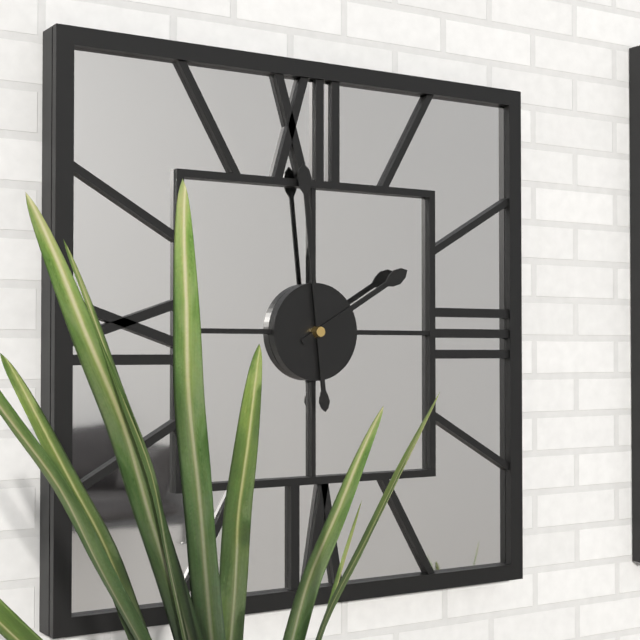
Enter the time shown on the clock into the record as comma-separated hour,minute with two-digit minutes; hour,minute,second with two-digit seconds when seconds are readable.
1,59
